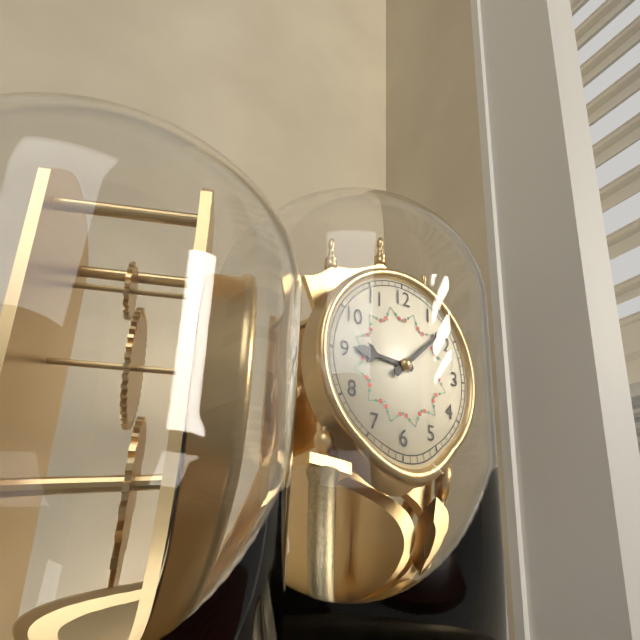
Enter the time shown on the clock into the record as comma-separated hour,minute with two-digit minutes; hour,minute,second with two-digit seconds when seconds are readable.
9,08
